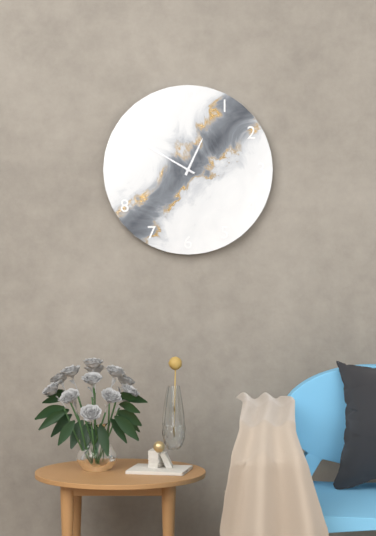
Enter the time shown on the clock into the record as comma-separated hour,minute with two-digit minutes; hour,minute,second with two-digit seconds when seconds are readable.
12,50
